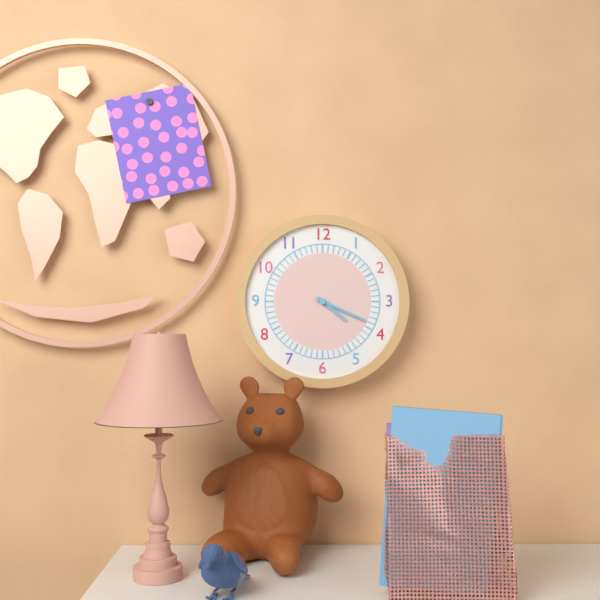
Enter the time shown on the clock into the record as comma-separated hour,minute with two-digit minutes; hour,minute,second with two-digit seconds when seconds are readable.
4,19
